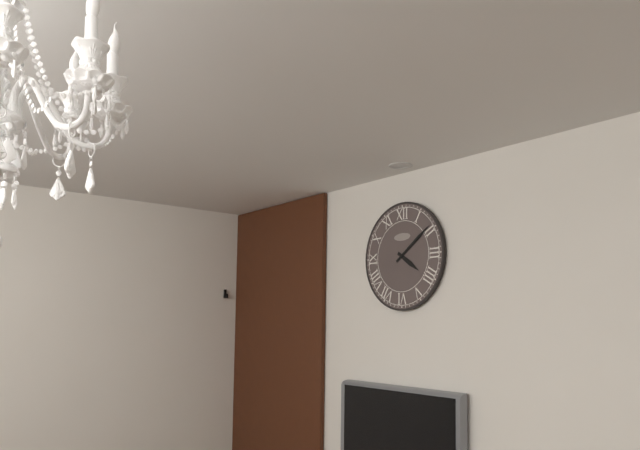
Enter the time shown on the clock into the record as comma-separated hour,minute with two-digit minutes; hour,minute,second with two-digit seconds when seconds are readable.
4,09
